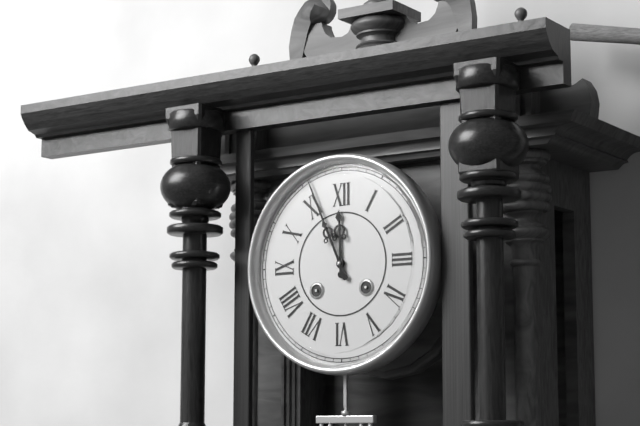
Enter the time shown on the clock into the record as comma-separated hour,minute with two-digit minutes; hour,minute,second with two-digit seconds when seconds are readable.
11,56
